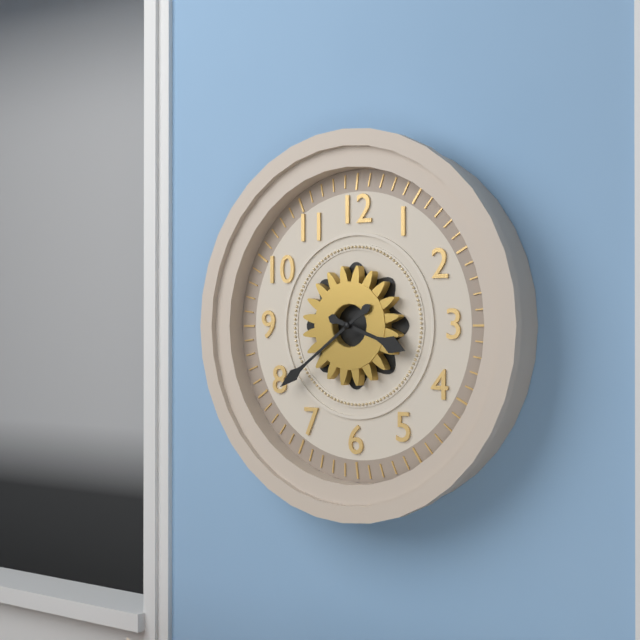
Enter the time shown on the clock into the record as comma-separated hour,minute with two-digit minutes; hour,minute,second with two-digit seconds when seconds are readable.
3,39
